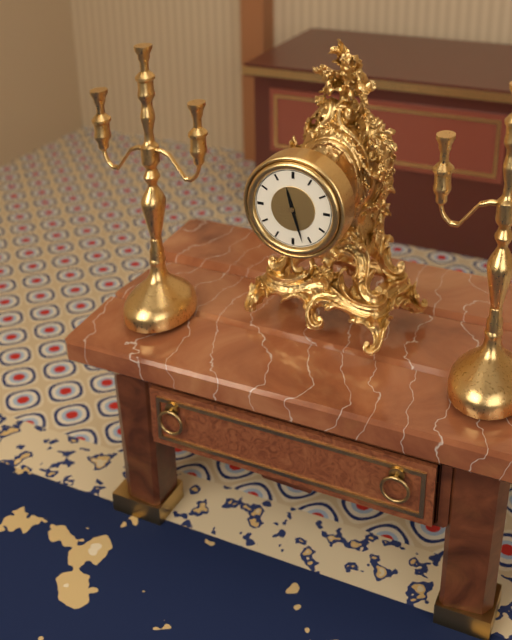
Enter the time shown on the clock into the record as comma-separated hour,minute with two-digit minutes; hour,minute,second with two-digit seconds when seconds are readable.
11,27
